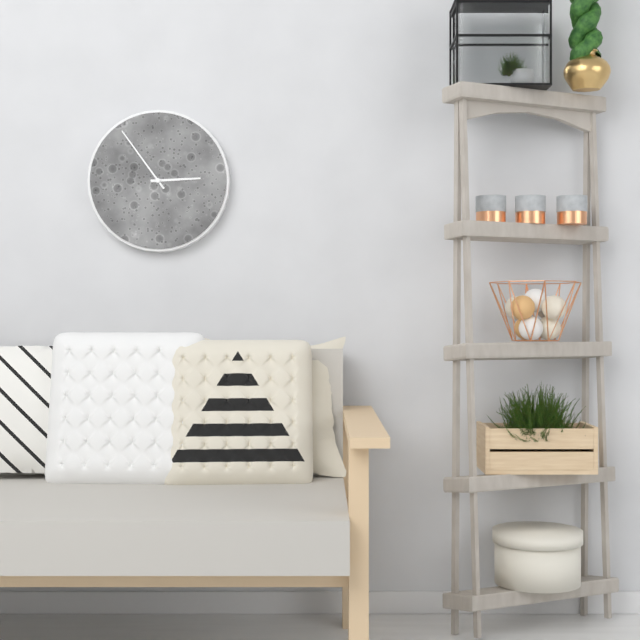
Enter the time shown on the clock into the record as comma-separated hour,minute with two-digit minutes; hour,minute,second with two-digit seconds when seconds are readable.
2,54
